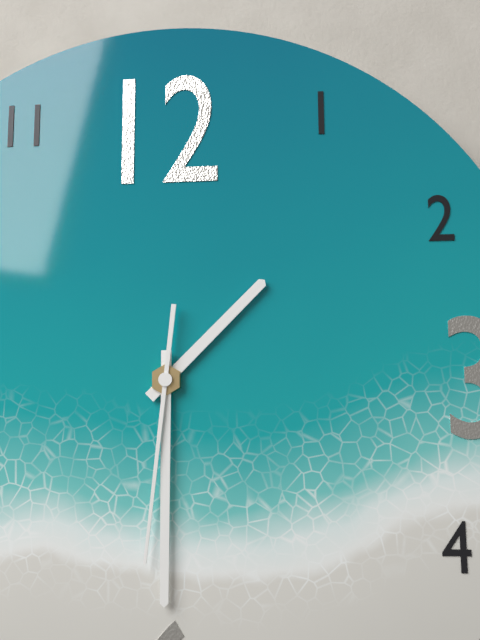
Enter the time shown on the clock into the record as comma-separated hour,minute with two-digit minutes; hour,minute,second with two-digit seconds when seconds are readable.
1,30,31
